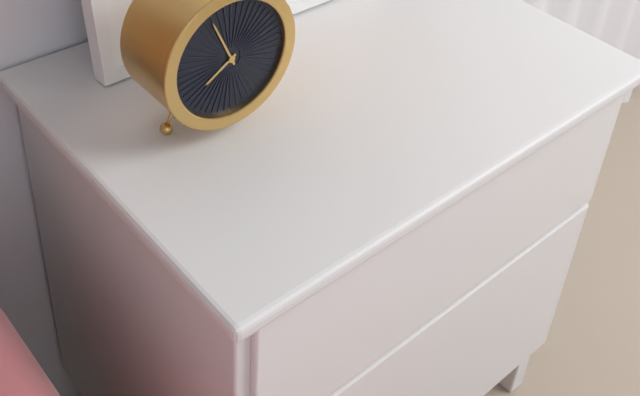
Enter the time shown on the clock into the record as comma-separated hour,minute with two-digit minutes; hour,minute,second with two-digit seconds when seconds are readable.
7,56
